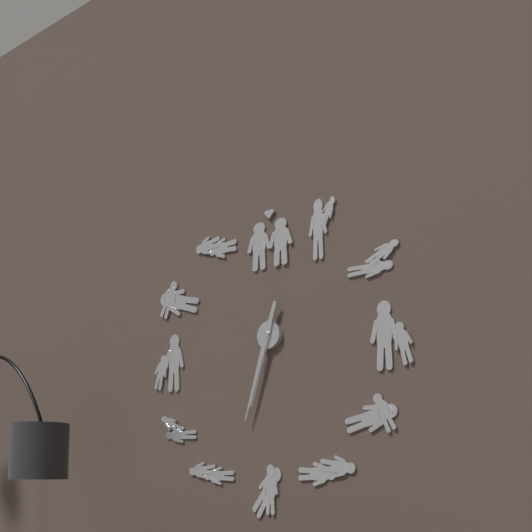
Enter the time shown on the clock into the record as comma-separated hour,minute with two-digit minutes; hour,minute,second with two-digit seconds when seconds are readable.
6,33
